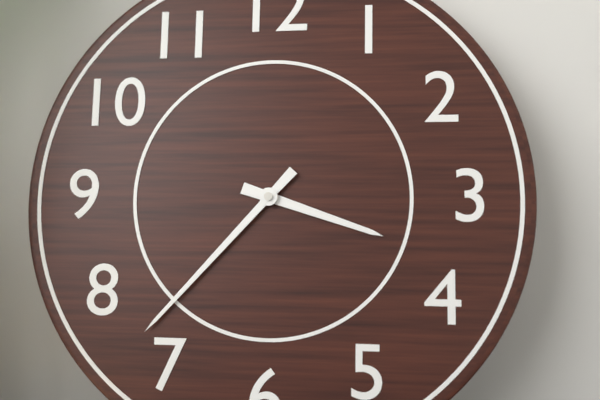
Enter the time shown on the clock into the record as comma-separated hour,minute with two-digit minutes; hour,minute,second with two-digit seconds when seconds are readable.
3,37
